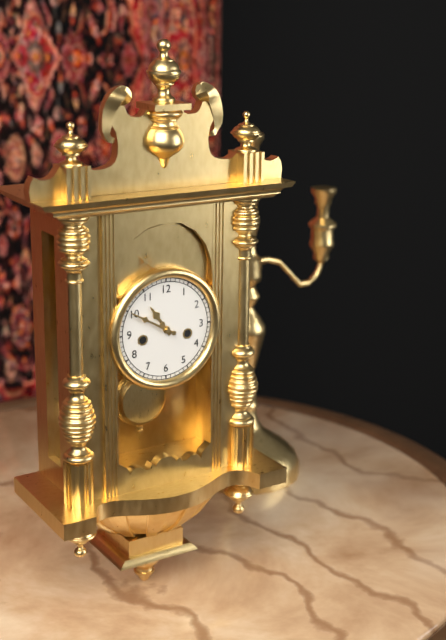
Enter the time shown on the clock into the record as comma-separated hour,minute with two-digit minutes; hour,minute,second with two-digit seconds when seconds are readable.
10,50
